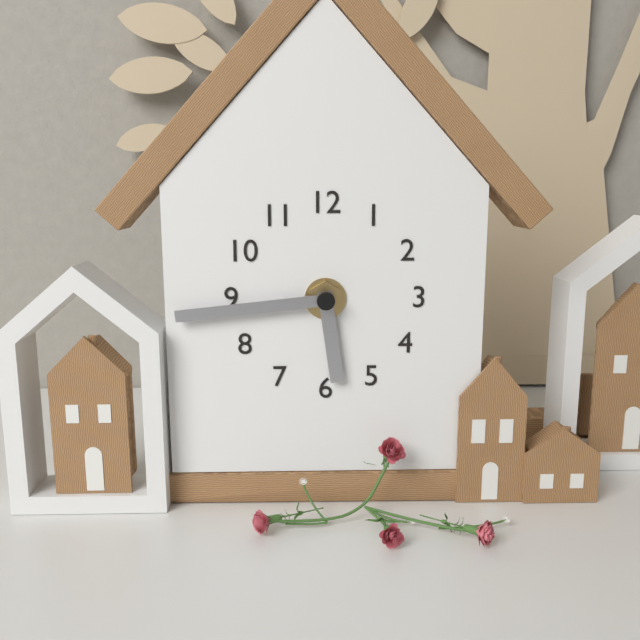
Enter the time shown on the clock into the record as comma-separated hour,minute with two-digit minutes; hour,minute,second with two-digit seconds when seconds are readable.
5,44
